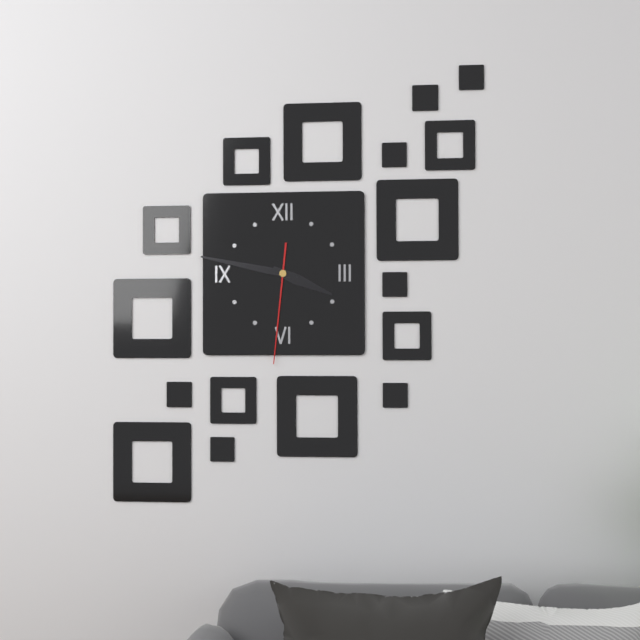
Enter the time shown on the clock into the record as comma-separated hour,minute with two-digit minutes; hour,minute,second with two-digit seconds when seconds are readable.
3,47,31
